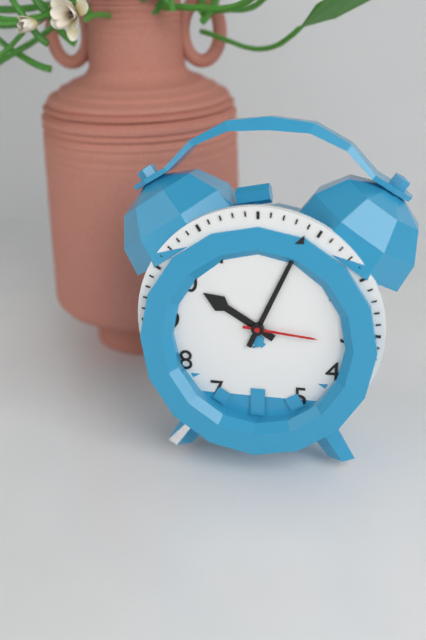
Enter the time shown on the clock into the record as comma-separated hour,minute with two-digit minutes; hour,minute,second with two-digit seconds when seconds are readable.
10,04,16
